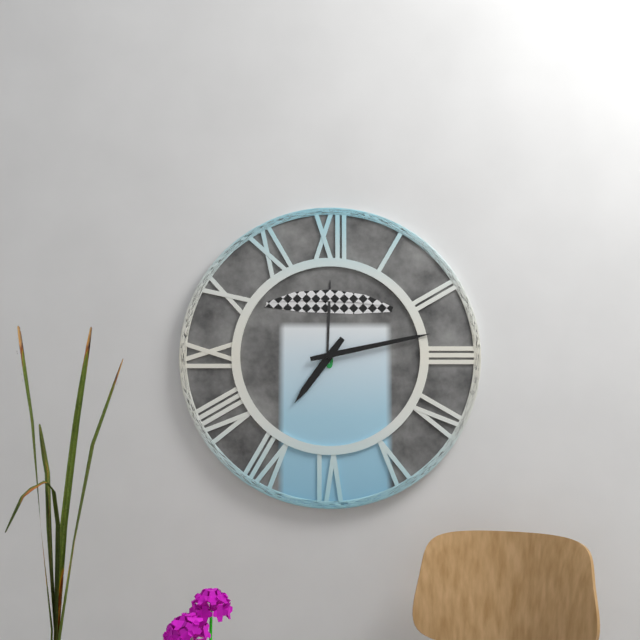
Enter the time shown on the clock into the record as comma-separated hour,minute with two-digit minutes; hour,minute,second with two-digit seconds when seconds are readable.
7,13
